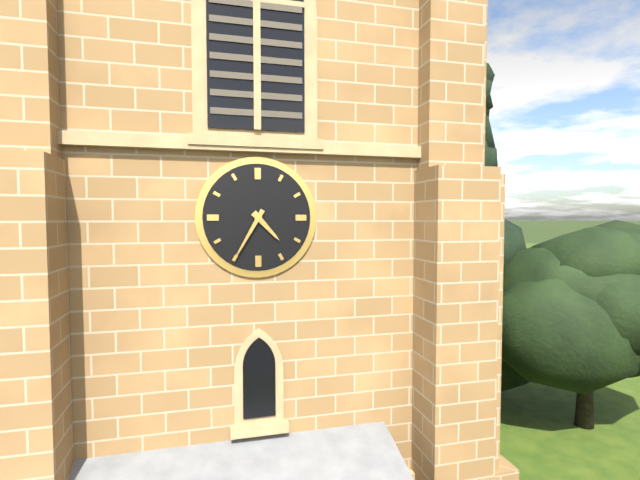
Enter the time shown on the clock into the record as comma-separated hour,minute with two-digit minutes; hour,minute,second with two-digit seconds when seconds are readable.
4,35
